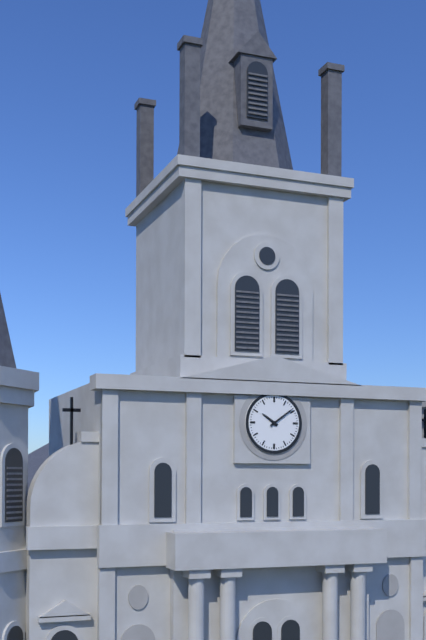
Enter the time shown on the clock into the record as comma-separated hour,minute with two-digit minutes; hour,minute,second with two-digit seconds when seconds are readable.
10,09
